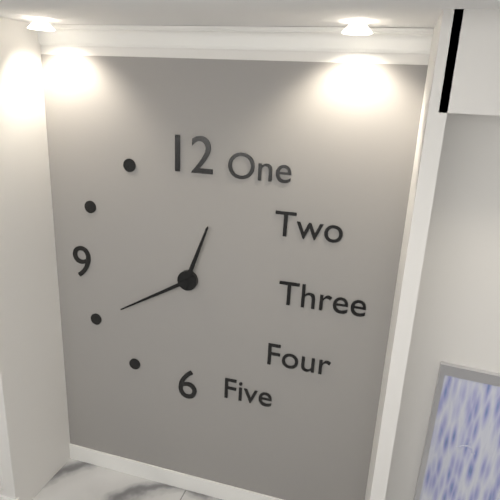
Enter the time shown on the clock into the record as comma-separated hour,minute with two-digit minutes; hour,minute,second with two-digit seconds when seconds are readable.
12,40
